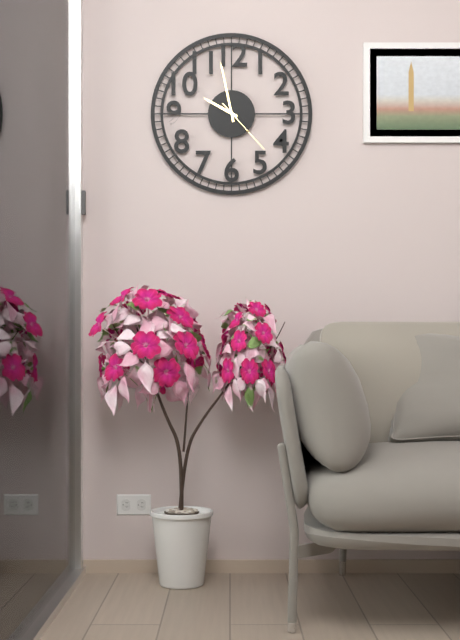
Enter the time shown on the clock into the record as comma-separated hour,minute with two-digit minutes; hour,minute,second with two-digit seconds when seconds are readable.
9,58,23
